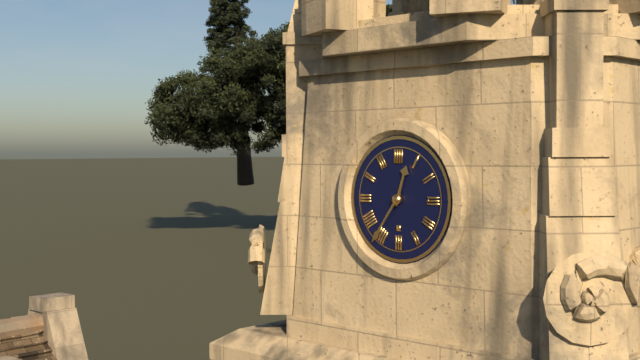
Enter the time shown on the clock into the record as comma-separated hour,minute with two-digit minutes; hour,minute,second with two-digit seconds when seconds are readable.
12,36
